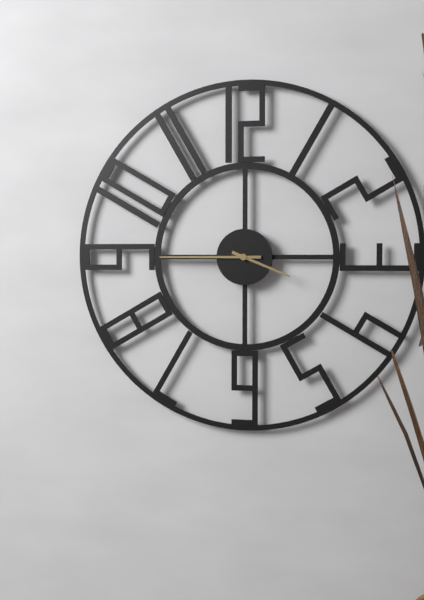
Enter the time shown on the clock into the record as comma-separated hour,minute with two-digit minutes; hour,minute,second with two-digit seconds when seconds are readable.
3,45
